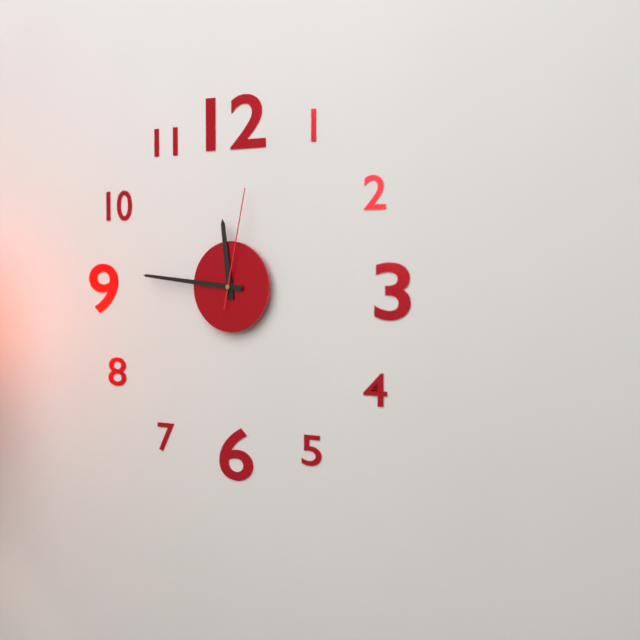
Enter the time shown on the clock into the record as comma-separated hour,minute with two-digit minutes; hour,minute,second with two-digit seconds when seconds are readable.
11,46,02
